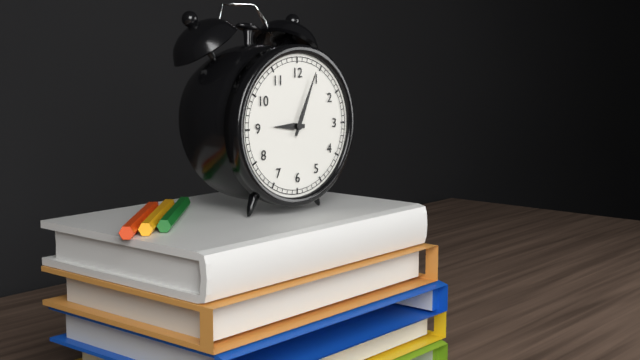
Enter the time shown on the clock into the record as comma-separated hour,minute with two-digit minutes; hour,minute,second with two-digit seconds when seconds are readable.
9,04
